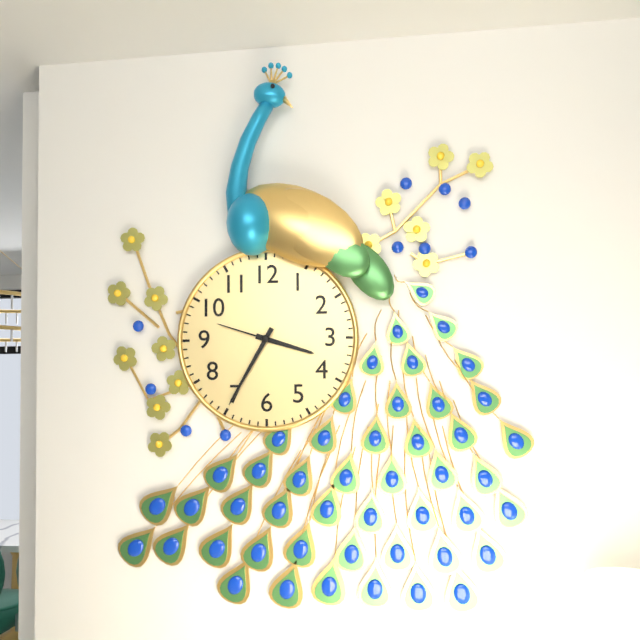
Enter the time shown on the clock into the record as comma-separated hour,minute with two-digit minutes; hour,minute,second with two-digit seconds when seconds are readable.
3,35,48
